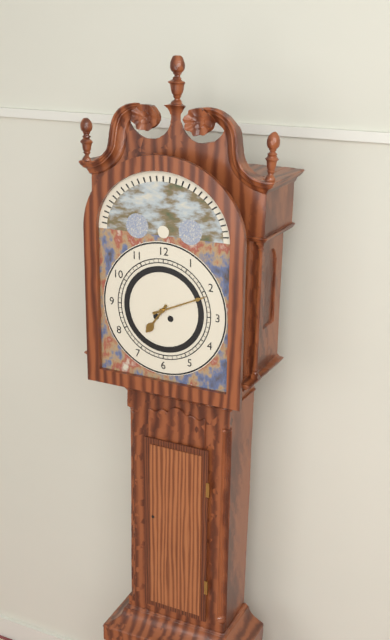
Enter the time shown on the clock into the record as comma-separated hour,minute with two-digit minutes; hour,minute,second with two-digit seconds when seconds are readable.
7,11
